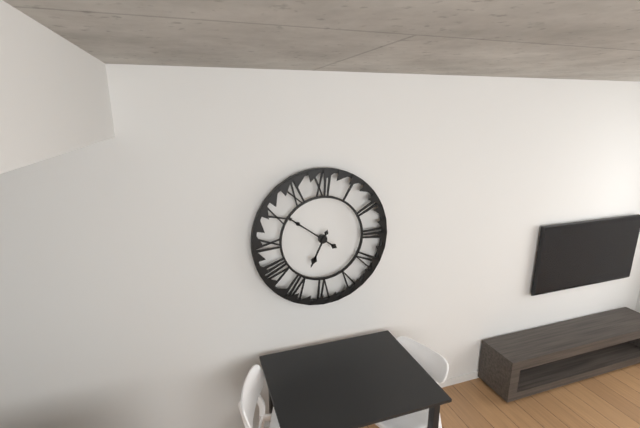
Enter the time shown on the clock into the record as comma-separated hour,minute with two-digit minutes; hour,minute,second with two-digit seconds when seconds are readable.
6,51
